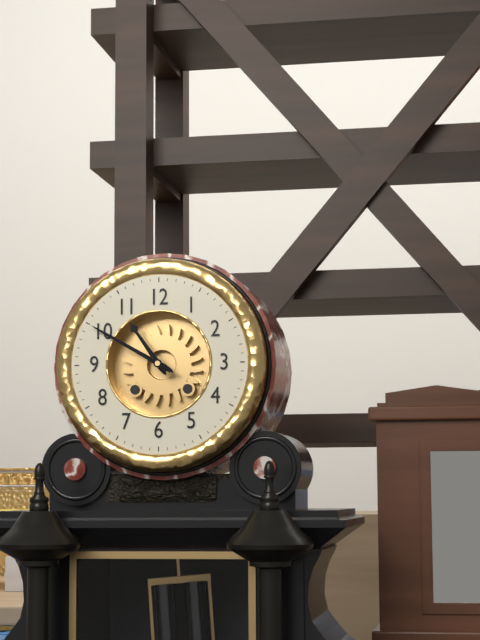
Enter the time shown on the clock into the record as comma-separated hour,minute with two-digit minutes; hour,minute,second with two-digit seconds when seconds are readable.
10,50
